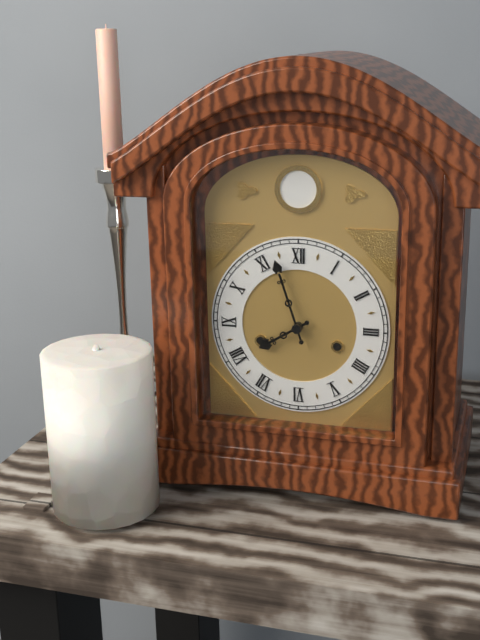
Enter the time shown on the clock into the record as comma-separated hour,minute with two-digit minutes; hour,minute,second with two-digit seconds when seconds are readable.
7,57
